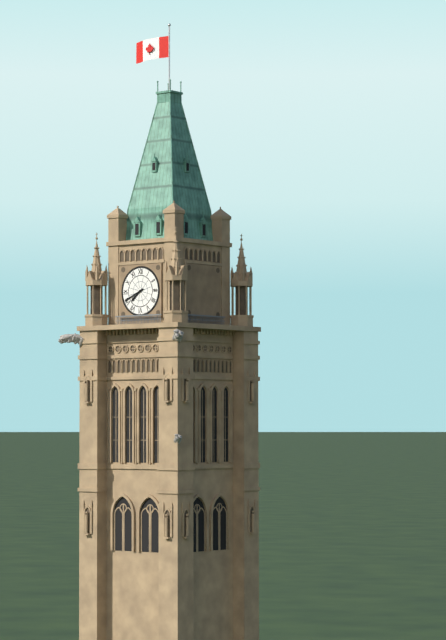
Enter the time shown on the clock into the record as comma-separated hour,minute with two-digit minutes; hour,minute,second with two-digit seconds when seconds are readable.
7,41
